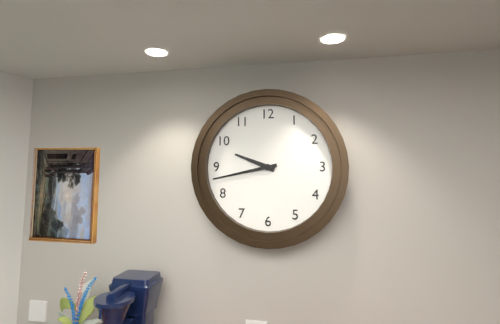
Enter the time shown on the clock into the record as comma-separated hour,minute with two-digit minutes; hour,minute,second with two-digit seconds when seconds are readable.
9,43
